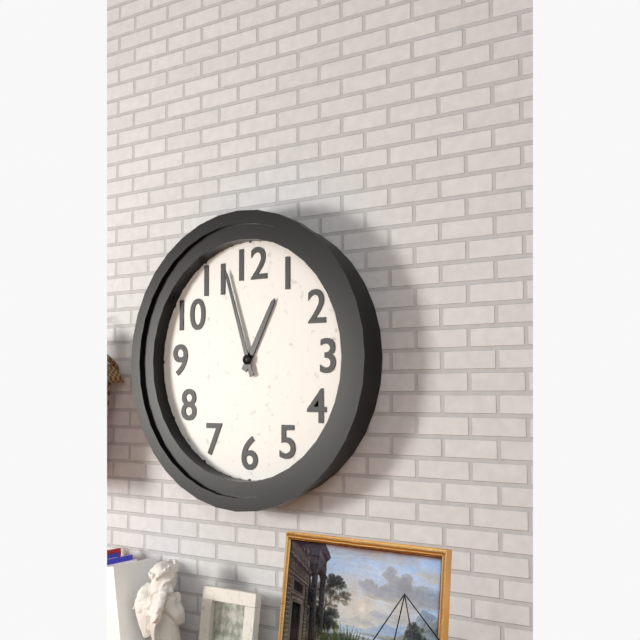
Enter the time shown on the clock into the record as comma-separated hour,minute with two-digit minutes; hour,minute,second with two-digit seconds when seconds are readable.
12,57
